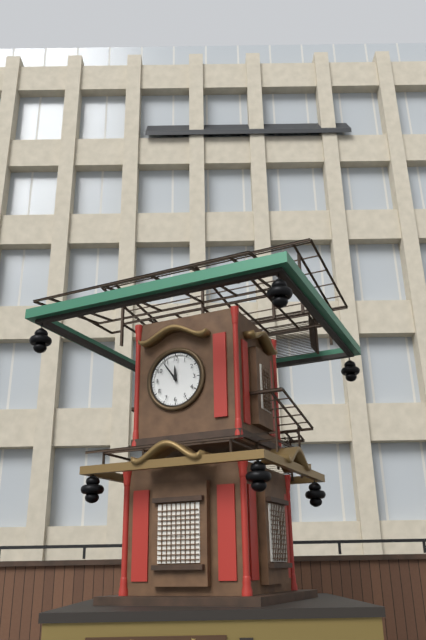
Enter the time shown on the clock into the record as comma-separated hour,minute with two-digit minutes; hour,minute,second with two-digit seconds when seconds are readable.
11,54
